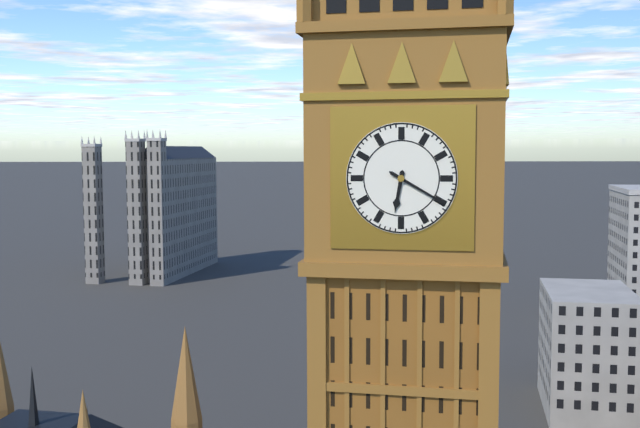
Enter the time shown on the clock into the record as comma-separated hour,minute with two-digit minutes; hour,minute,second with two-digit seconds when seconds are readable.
6,20
